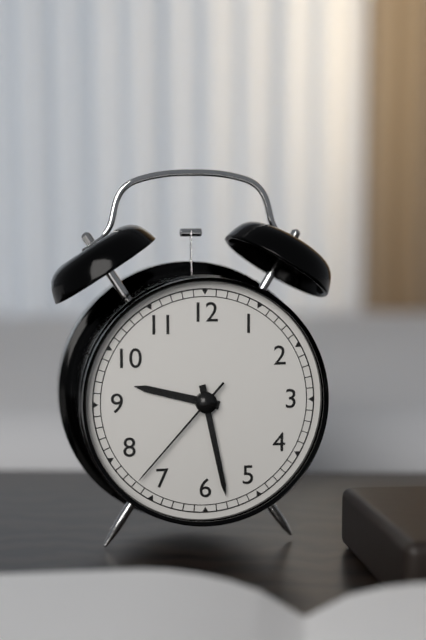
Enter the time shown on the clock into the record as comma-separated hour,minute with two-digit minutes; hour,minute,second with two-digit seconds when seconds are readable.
9,28,37
